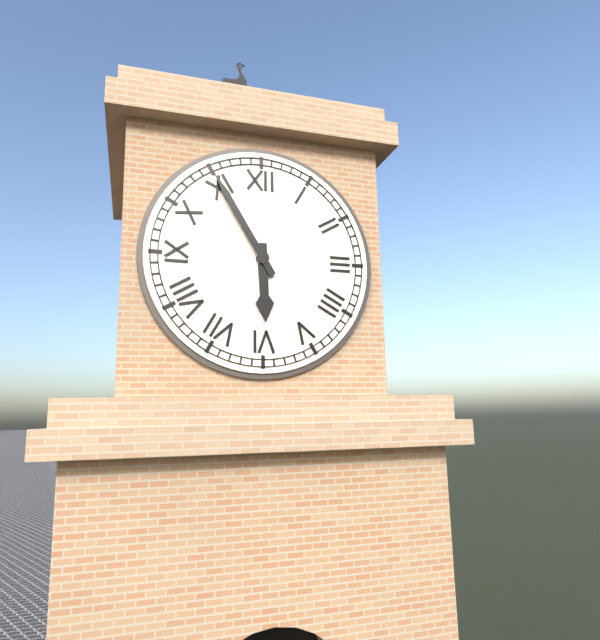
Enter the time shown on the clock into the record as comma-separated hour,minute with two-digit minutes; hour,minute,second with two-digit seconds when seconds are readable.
5,55
